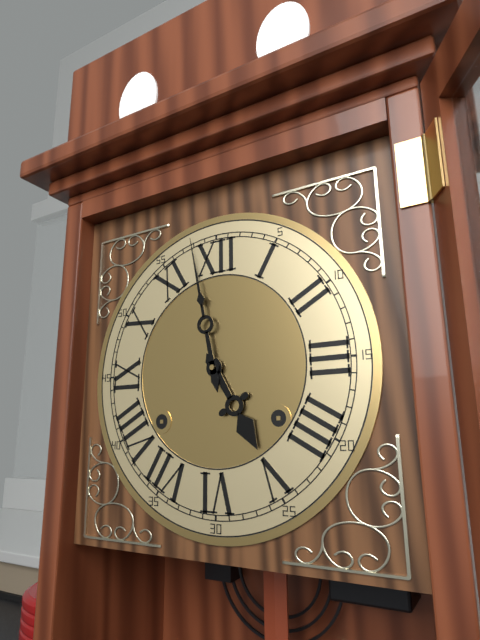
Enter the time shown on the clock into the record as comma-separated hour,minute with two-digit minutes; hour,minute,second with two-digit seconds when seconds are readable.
4,58
